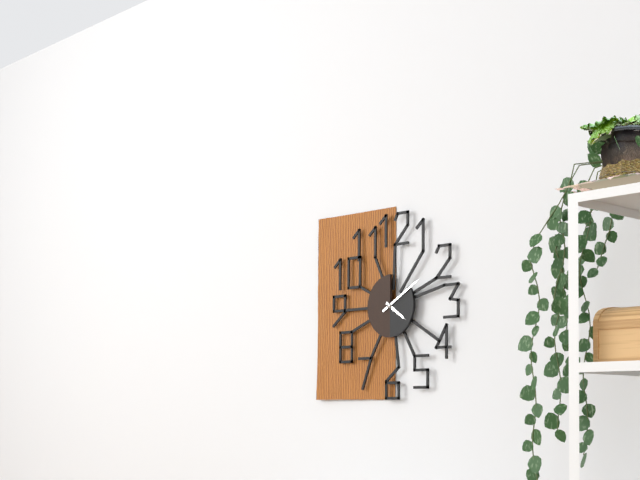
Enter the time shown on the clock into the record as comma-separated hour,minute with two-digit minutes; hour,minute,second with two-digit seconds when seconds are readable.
4,10
